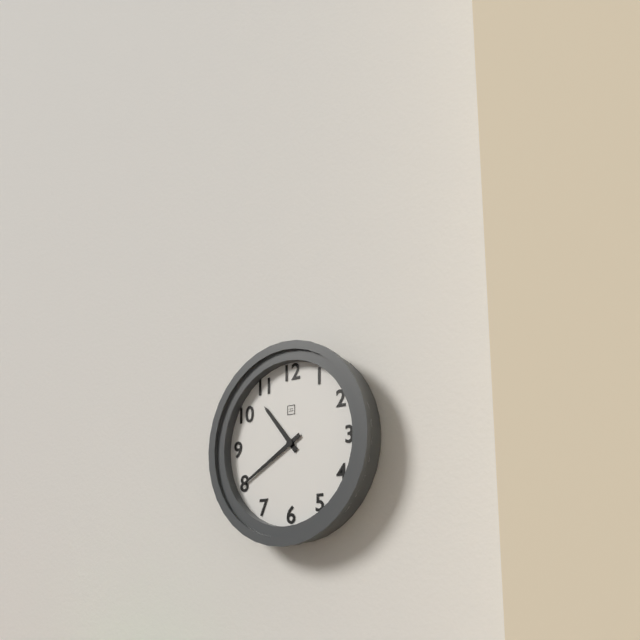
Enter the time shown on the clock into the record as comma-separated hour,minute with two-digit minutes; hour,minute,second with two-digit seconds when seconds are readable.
10,40
